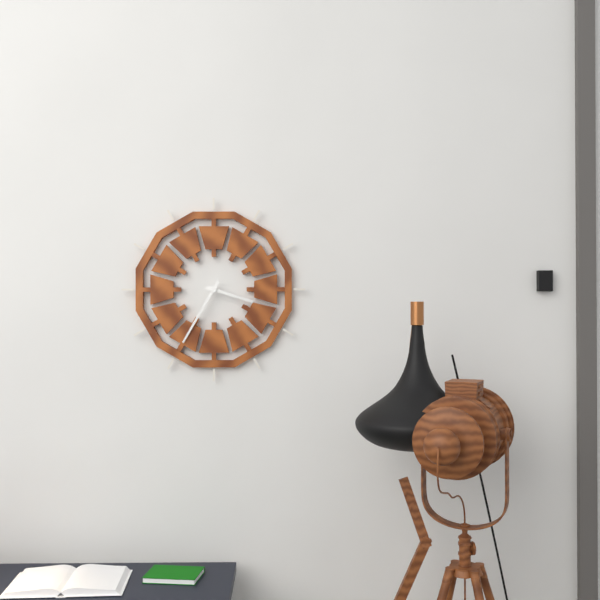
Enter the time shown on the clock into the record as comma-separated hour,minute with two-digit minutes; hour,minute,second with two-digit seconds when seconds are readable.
3,35
